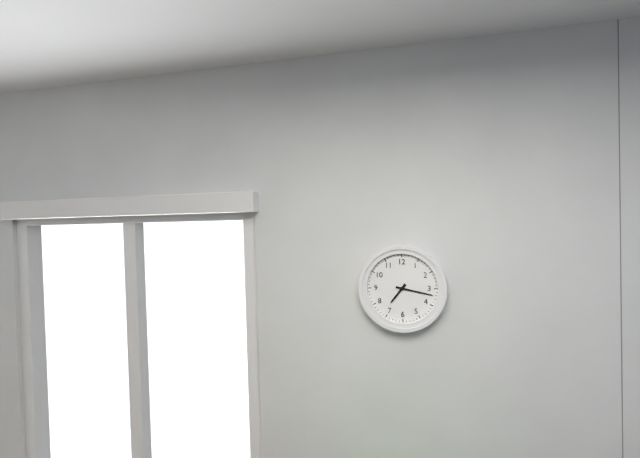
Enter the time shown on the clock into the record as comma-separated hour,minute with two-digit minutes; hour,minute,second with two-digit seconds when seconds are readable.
7,17
